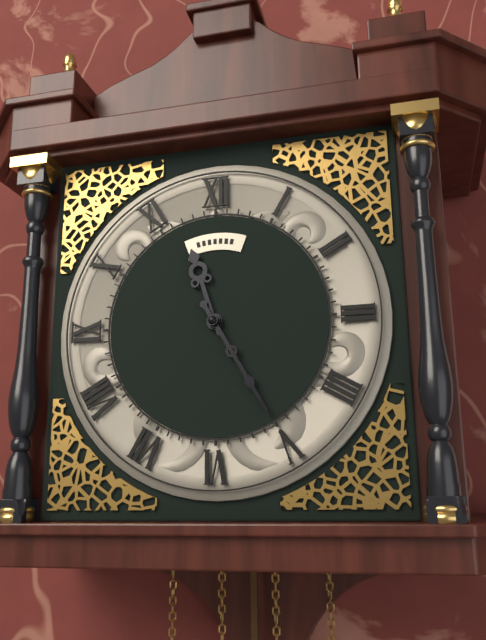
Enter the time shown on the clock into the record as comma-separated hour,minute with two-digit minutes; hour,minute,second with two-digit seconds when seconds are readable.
11,25
